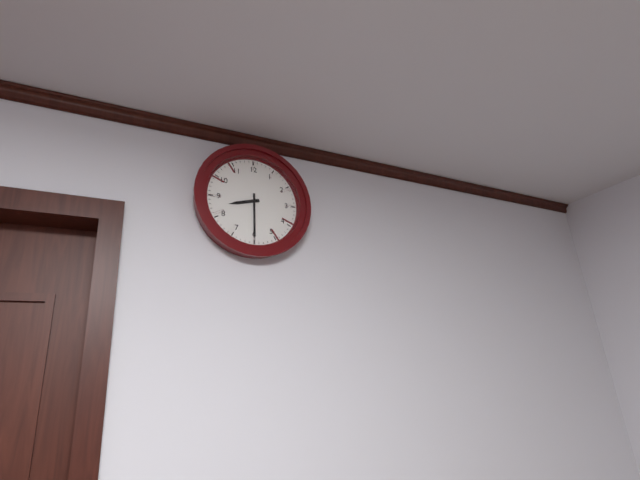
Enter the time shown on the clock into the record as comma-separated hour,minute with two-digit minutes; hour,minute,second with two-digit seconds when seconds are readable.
8,30
